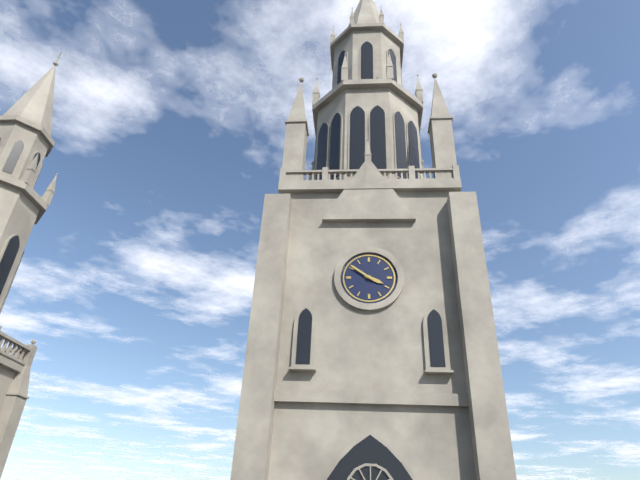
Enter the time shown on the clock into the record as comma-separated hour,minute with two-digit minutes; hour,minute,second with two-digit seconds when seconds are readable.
3,51
